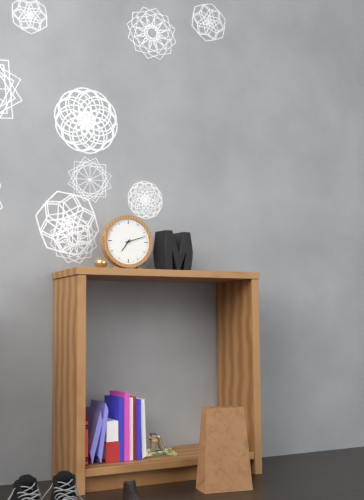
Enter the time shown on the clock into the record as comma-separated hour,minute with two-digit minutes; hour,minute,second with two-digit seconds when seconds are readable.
7,12
